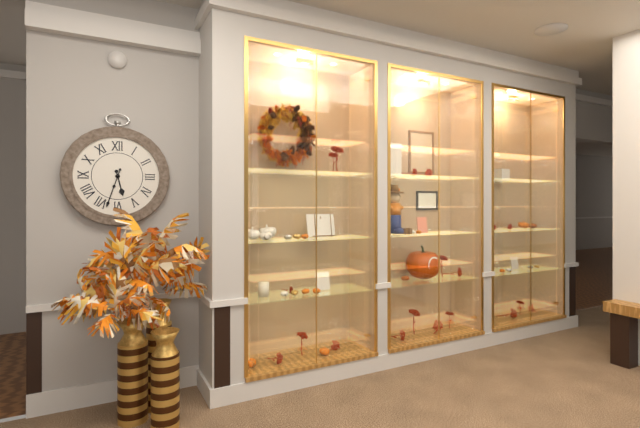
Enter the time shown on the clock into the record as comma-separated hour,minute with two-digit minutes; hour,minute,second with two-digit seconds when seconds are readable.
5,33
